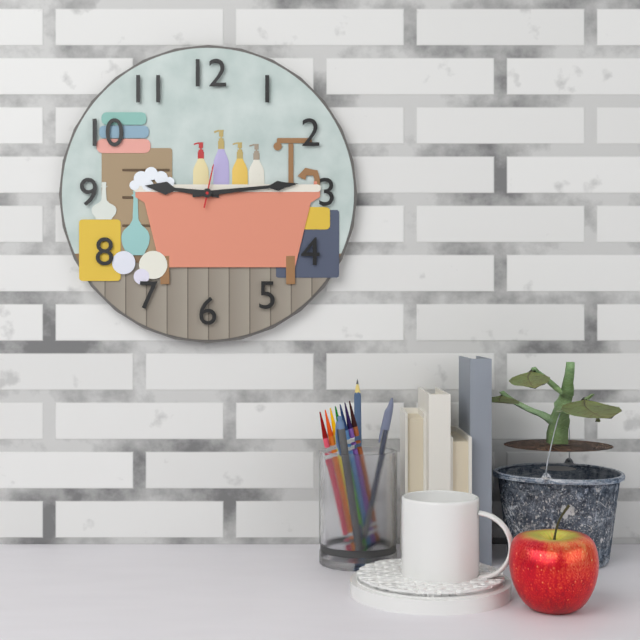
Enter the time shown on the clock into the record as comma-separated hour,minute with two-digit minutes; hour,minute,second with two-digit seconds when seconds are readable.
9,14
